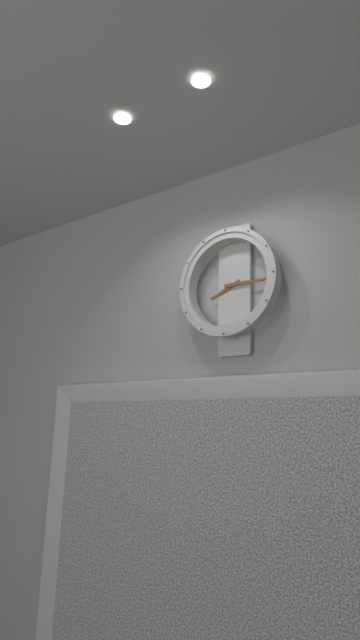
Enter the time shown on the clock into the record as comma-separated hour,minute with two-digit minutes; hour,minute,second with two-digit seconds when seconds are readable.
8,15
